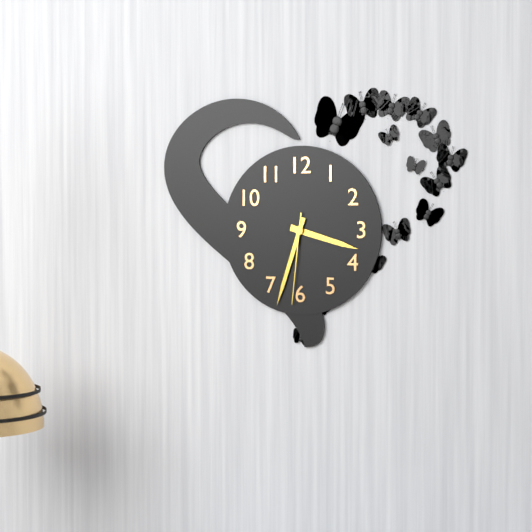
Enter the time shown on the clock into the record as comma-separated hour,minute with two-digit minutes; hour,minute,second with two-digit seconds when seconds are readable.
3,33,31
